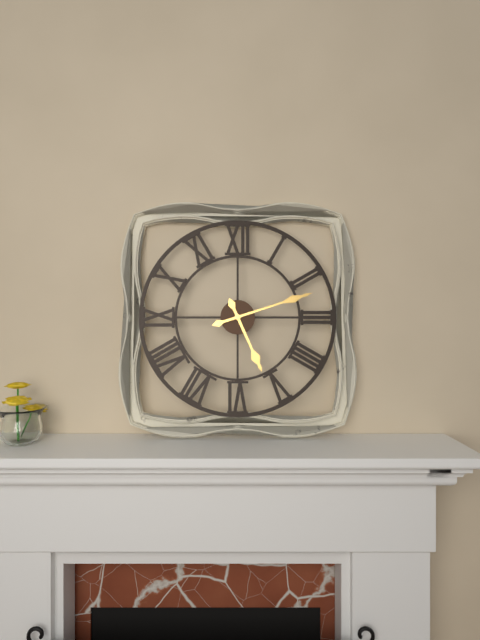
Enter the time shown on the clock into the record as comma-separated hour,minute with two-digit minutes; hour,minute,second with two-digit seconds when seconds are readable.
5,12
